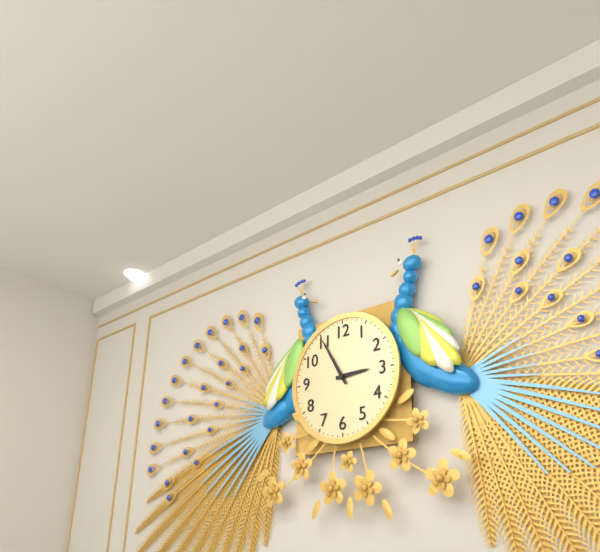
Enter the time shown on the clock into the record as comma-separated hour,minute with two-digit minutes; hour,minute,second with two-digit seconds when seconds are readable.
2,55
